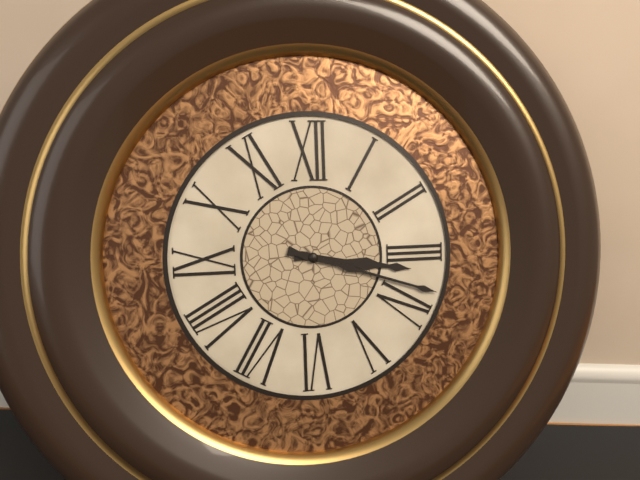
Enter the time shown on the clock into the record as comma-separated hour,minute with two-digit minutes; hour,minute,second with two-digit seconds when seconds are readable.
3,18
